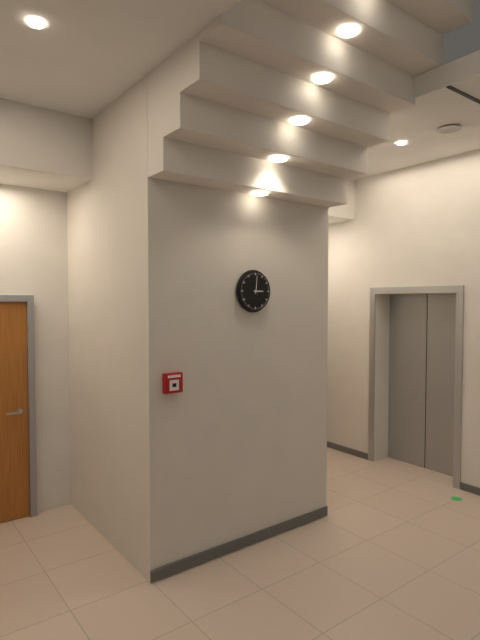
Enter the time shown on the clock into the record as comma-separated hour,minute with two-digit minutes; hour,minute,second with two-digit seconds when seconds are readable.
3,01
